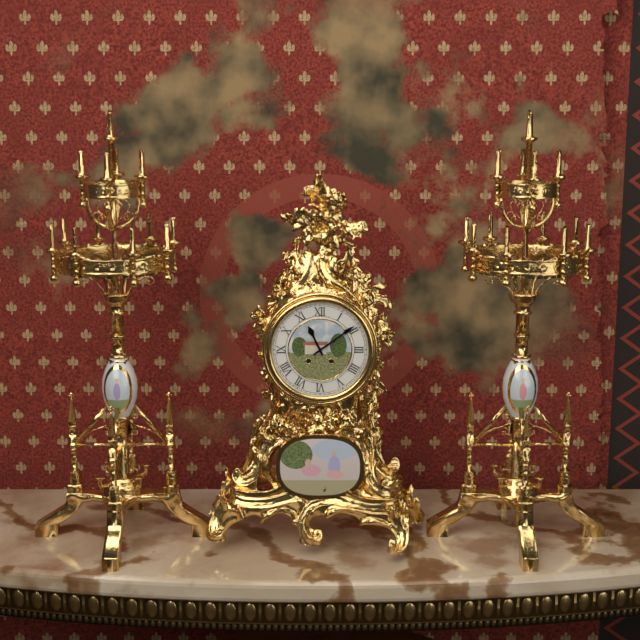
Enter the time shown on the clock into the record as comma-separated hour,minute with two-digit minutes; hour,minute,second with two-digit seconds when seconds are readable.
11,09
